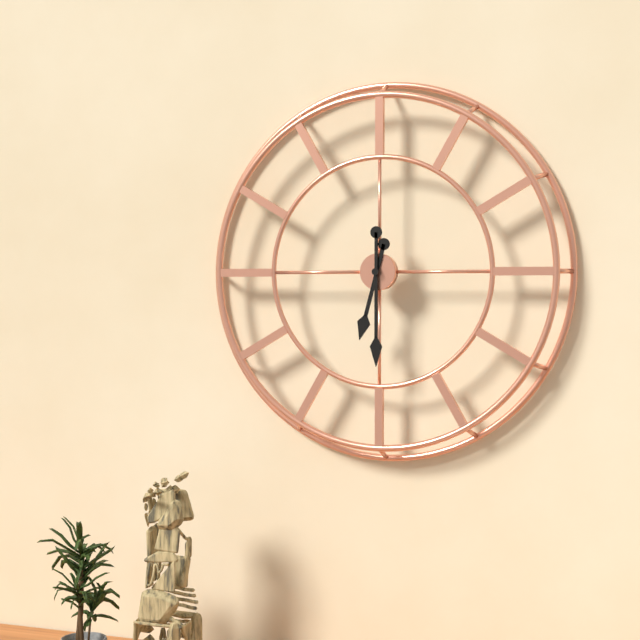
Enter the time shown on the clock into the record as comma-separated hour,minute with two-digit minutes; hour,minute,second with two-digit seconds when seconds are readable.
6,30
